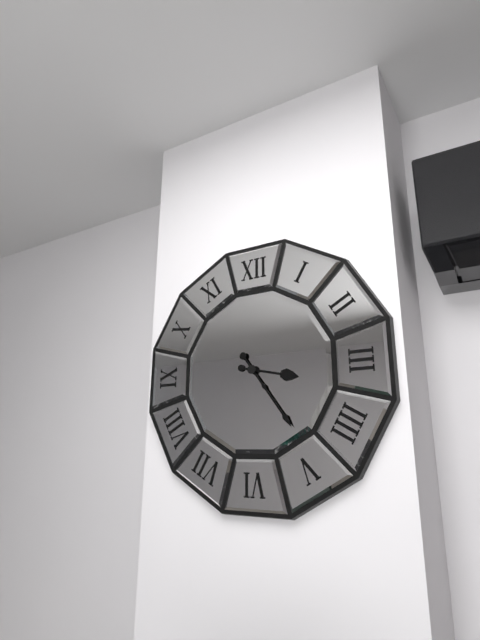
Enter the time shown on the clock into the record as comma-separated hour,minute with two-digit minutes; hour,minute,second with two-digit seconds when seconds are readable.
3,24
